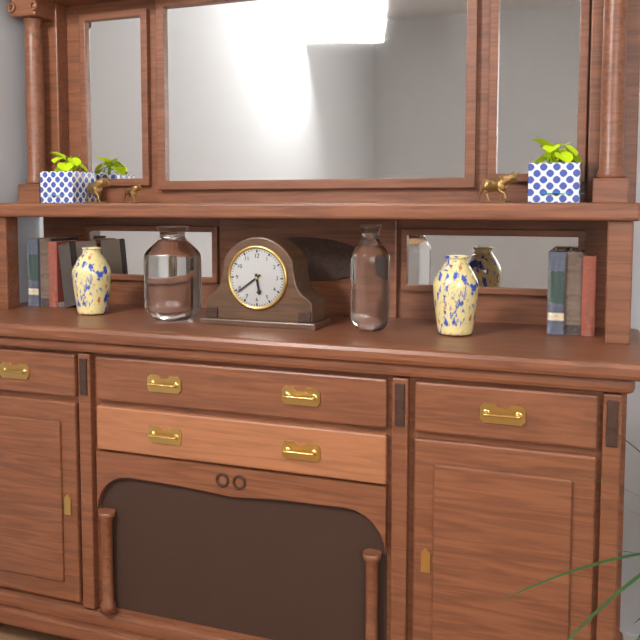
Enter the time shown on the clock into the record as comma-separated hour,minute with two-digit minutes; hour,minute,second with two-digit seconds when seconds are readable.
5,39
